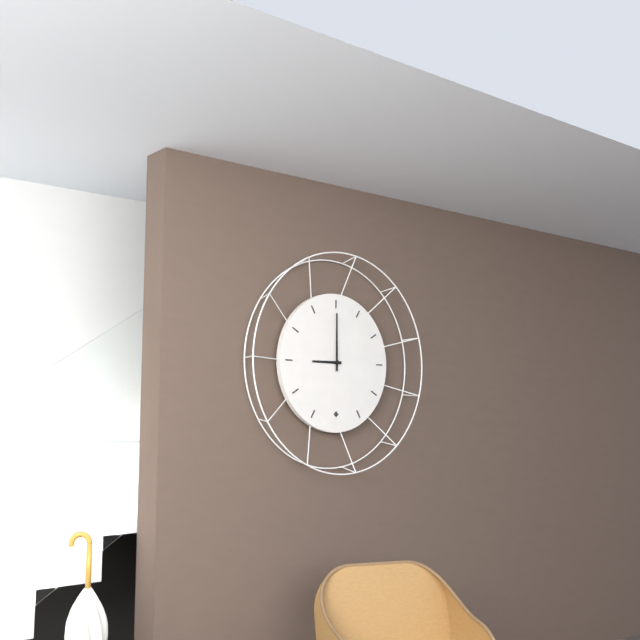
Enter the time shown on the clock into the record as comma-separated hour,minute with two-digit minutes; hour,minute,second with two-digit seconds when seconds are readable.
9,00
